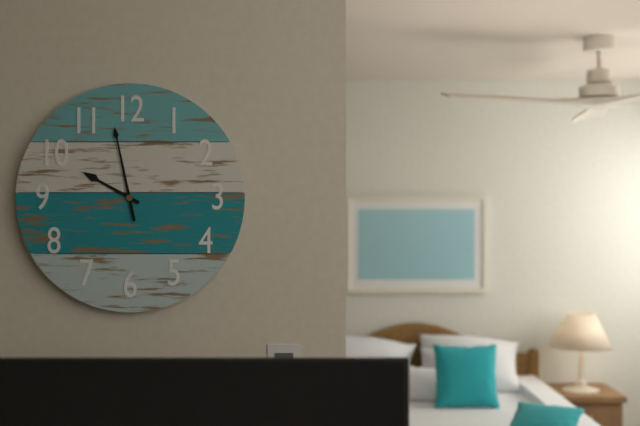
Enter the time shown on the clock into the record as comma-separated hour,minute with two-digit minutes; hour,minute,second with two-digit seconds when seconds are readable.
9,58
